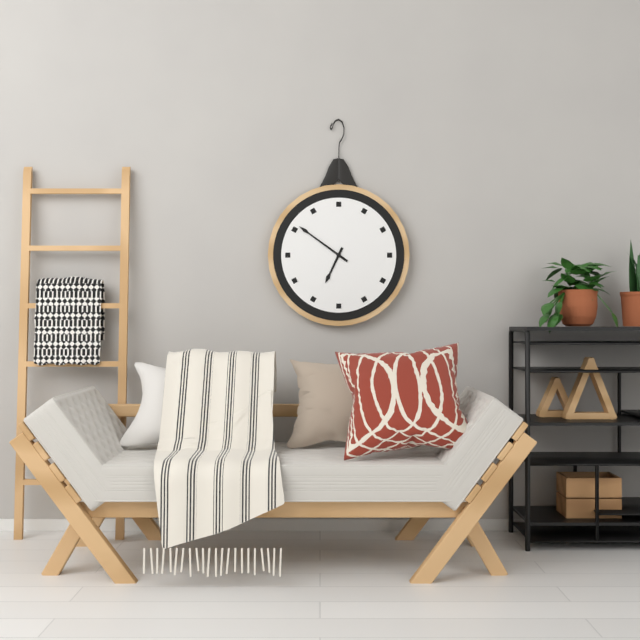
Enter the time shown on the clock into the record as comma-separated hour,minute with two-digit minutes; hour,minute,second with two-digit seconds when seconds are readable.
6,51
